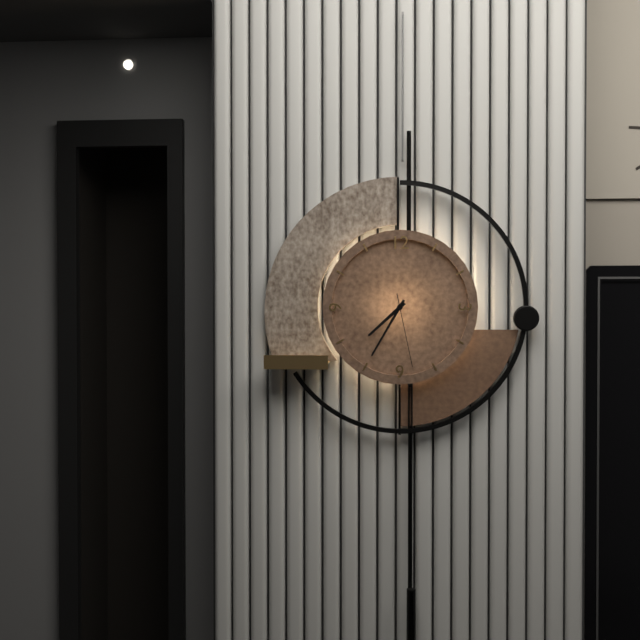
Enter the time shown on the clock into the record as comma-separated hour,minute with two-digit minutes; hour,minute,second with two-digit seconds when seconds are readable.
7,35,28
